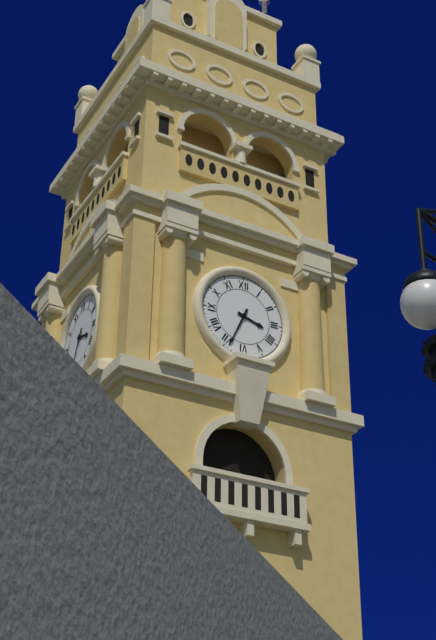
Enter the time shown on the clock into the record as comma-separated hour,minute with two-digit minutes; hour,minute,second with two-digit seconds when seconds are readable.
3,34
